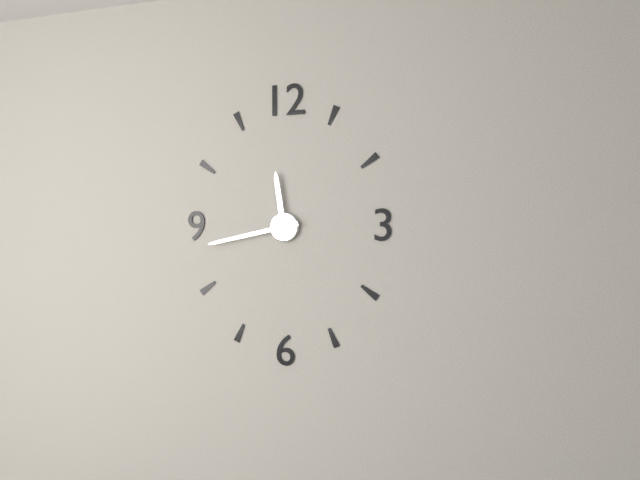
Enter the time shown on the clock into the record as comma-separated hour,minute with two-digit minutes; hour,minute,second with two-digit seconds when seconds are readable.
11,43
